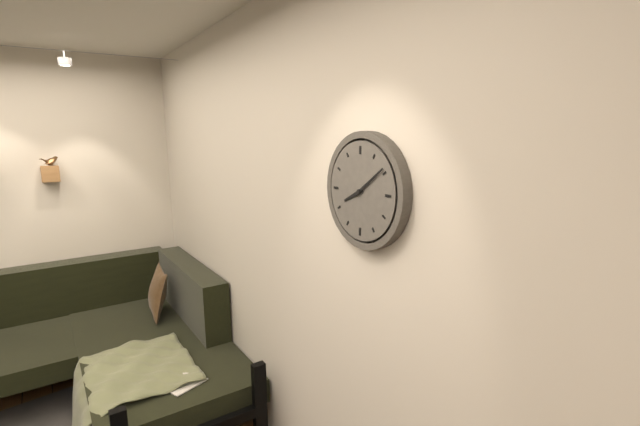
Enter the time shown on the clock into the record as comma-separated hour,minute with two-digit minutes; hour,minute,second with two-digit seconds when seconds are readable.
8,09
